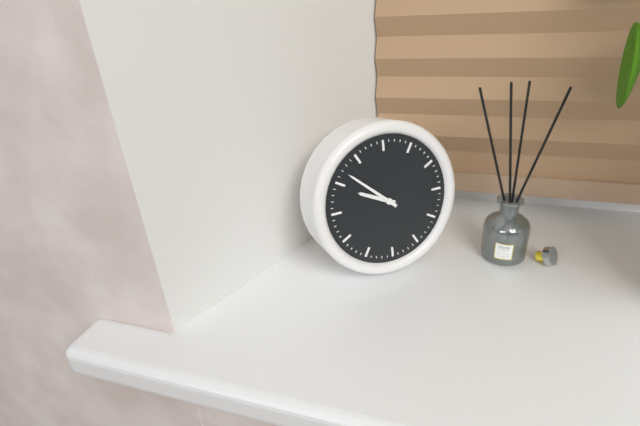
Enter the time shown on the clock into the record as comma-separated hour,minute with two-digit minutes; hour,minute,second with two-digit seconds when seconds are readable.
9,52
